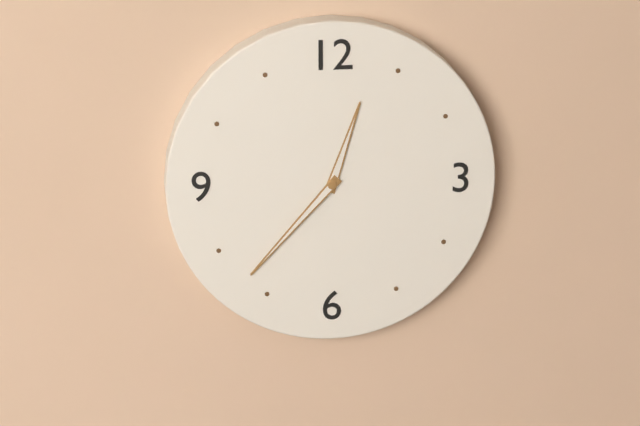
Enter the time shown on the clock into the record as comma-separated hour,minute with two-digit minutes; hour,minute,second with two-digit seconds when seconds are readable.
12,37
